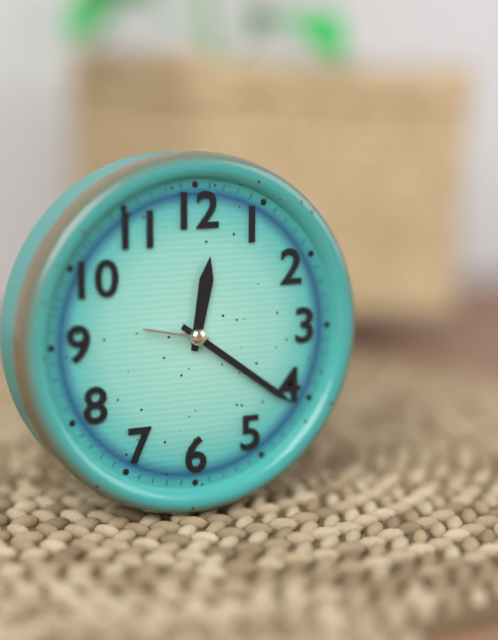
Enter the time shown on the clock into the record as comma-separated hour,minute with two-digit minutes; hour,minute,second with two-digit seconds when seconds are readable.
12,21,47
